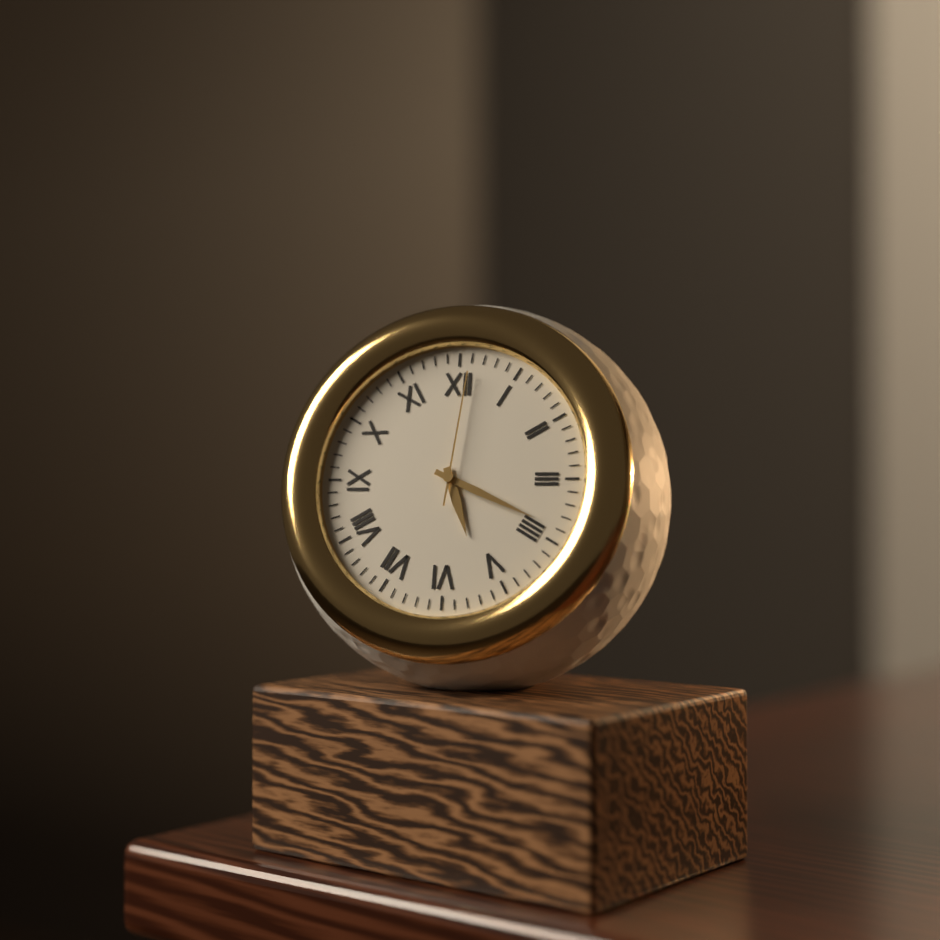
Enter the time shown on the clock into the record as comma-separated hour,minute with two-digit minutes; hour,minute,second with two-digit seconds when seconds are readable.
5,19,01
